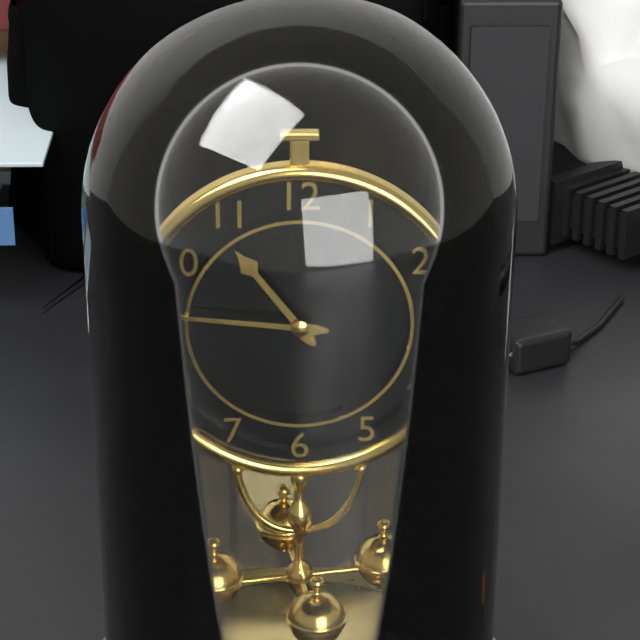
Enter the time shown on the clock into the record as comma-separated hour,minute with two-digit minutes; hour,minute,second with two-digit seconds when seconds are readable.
10,46
